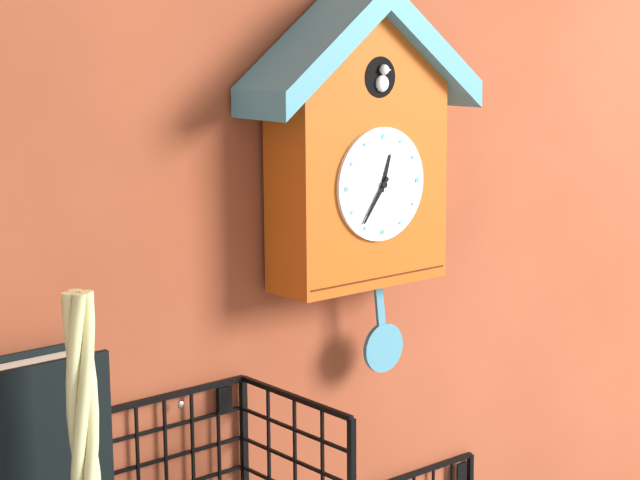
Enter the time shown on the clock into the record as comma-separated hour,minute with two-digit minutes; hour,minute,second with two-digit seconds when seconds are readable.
12,36
